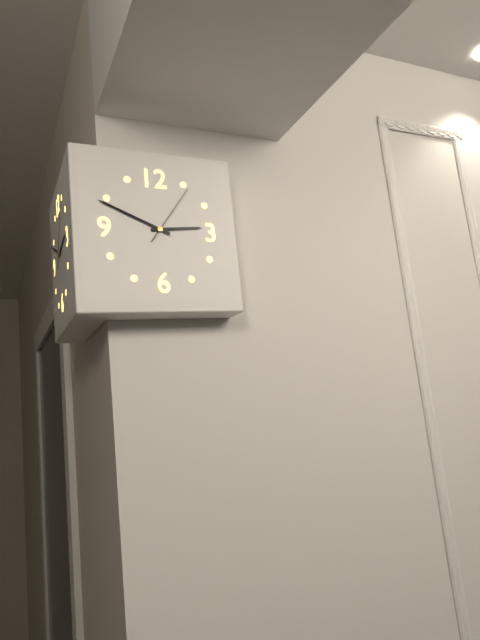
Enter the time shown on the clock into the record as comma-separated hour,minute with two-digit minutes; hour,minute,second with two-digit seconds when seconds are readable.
2,49,06
